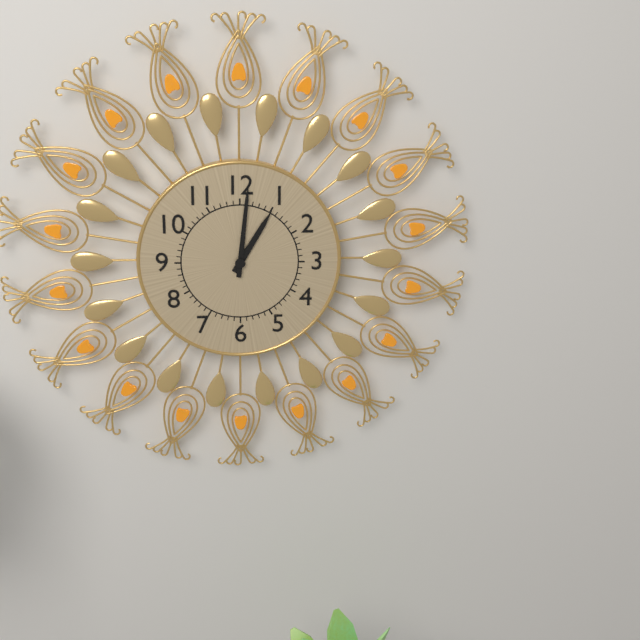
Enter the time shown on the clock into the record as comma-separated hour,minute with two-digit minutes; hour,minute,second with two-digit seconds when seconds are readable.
1,01
